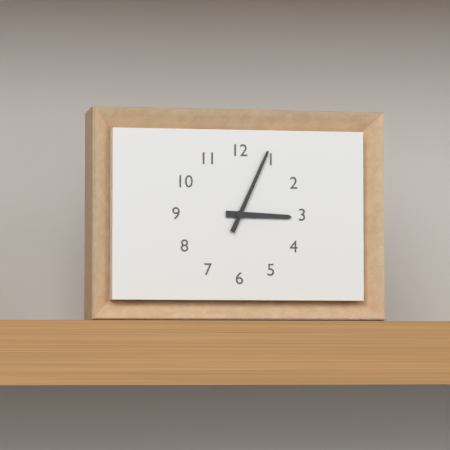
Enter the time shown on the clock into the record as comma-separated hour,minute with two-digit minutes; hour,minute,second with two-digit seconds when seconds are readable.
3,04
